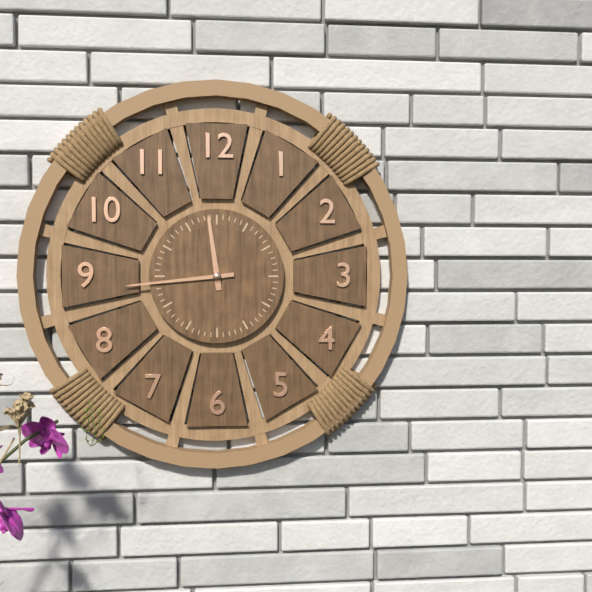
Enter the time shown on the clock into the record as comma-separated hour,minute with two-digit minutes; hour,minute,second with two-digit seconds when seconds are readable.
11,44
